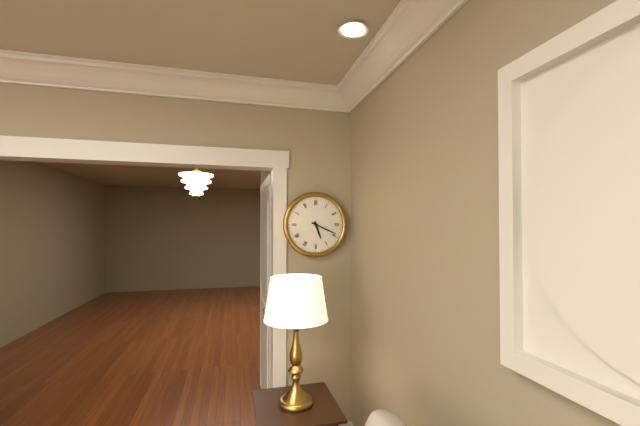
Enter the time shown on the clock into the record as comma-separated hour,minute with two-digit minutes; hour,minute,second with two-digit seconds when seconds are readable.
5,19
